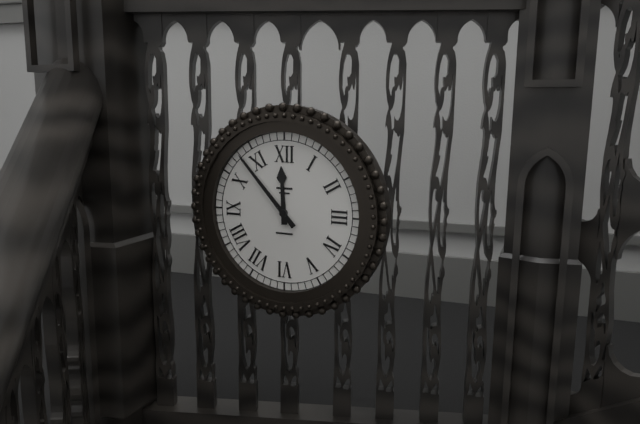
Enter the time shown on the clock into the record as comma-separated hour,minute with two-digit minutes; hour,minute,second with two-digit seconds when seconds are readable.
11,53
